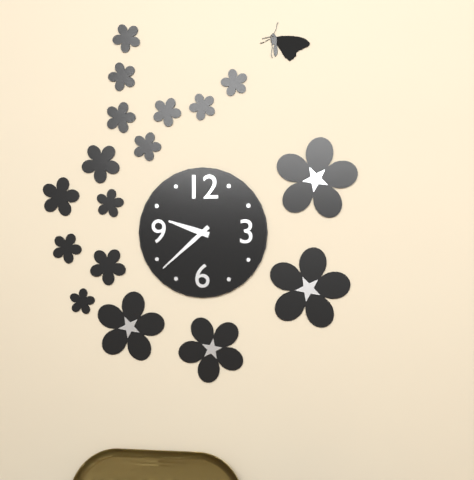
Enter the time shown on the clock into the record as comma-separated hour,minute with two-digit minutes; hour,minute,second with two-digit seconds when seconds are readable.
9,38
